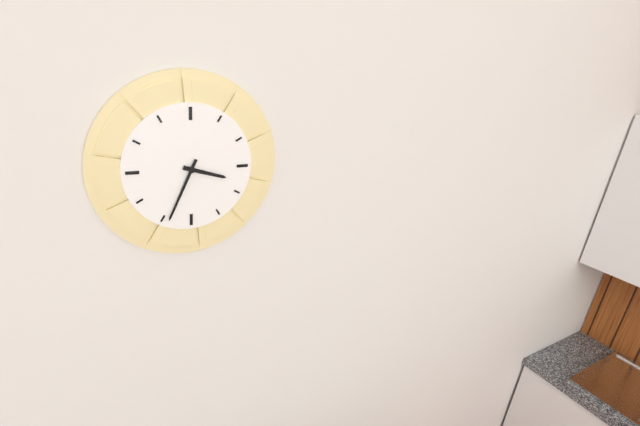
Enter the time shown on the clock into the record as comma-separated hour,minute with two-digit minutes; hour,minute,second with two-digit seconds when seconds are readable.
3,34
